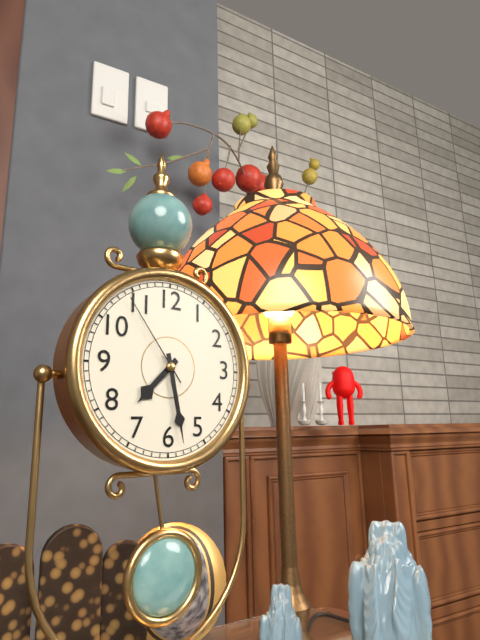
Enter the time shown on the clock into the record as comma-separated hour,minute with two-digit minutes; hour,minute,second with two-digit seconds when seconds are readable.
7,28,54
